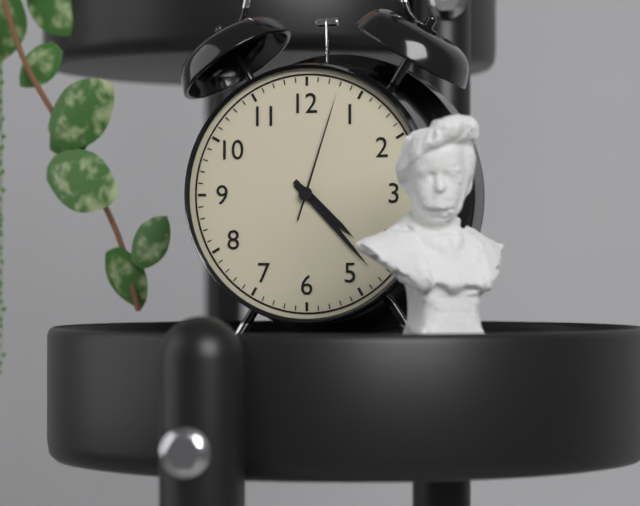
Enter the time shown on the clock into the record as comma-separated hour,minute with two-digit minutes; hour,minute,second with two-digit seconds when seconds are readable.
4,23,03
